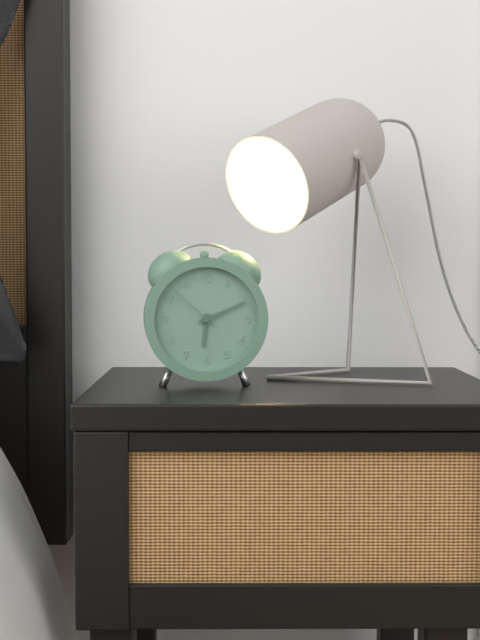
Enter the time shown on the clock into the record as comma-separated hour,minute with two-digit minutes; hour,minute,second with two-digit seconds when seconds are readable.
6,11,52
